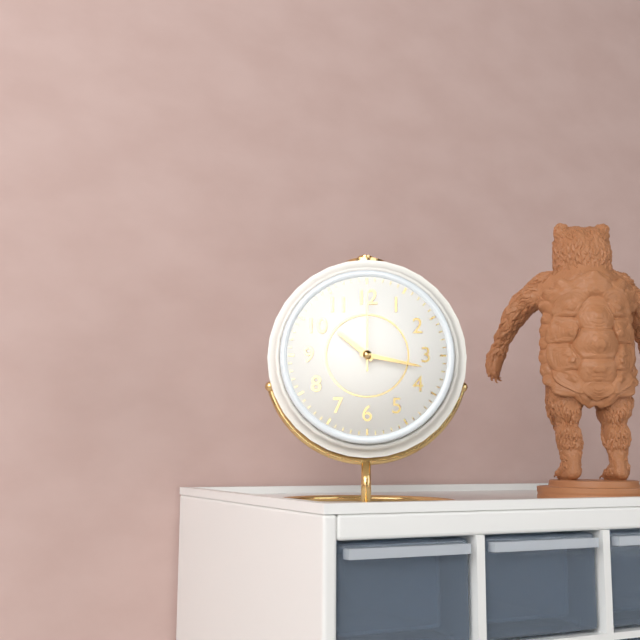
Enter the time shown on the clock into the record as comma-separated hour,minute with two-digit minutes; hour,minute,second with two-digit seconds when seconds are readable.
10,17,00
